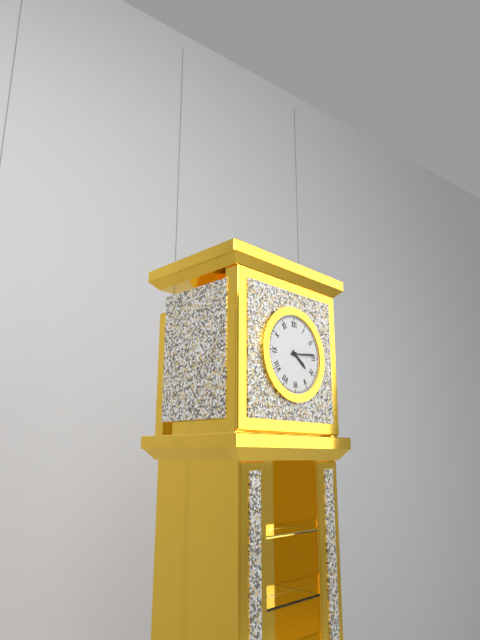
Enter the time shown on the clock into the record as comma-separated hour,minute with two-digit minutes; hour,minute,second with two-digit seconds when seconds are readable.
4,14
